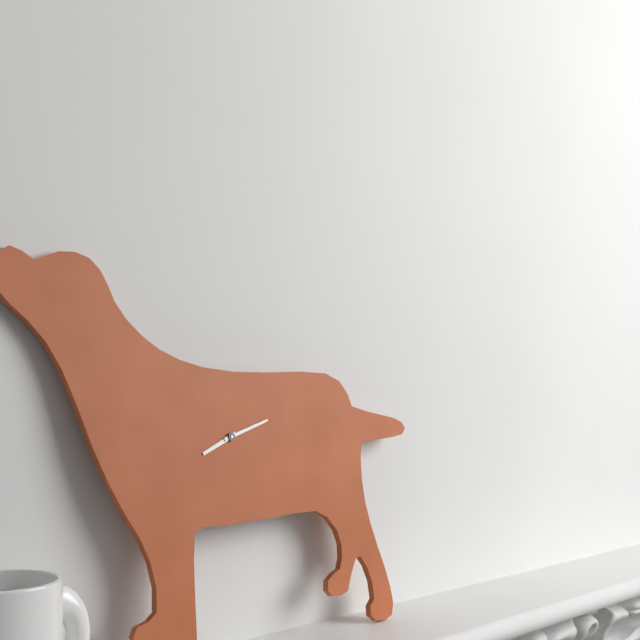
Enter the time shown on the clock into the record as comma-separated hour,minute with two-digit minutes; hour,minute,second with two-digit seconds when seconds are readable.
8,12
